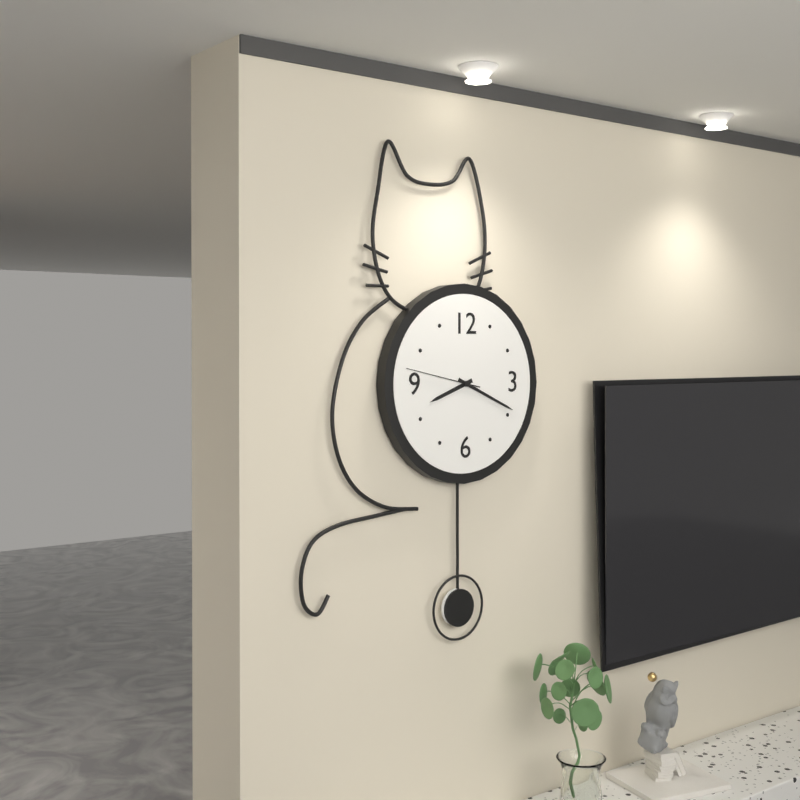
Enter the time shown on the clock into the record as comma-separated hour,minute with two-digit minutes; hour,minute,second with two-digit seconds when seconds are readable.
8,19,47
